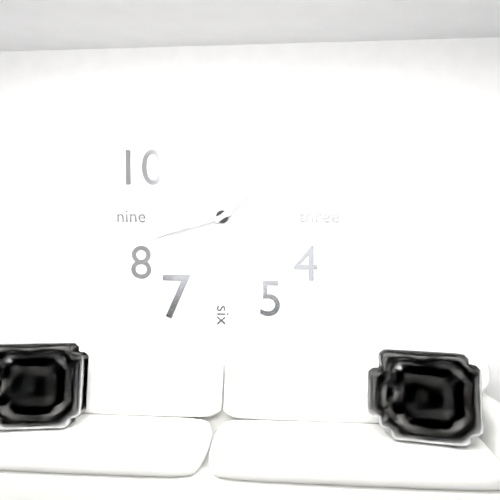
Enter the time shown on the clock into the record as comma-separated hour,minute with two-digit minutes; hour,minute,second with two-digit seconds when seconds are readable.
1,42
